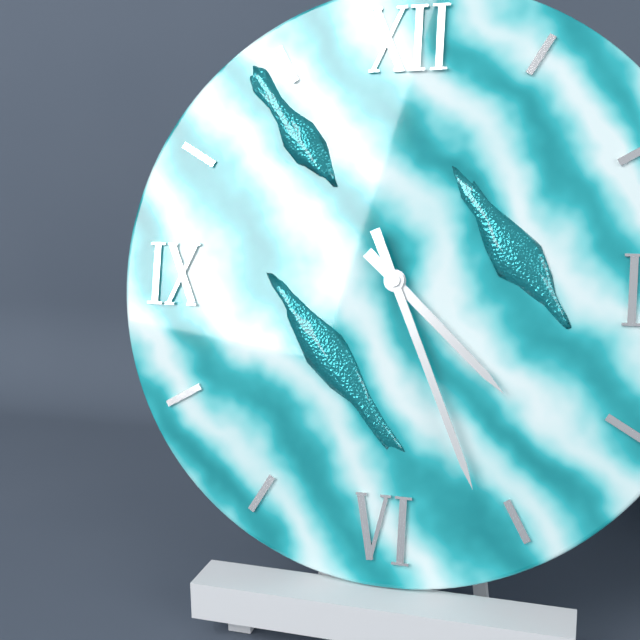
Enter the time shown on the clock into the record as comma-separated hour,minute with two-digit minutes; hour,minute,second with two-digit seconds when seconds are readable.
4,26
